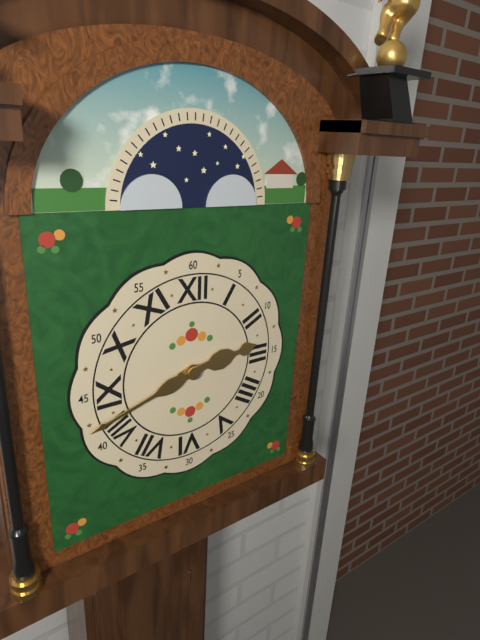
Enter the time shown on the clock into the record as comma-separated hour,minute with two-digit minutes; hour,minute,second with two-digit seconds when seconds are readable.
2,42
